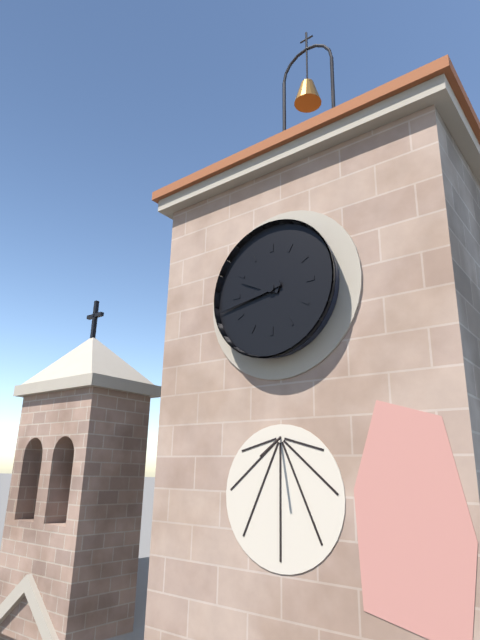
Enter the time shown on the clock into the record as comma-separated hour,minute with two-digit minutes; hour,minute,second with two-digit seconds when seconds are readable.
9,43
